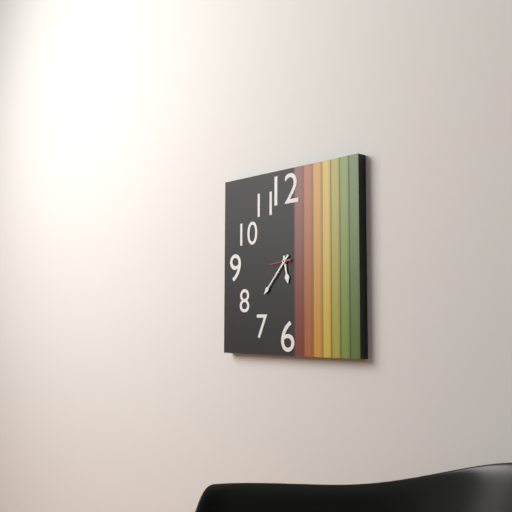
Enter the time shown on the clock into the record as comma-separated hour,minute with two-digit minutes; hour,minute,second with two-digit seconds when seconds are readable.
5,37
